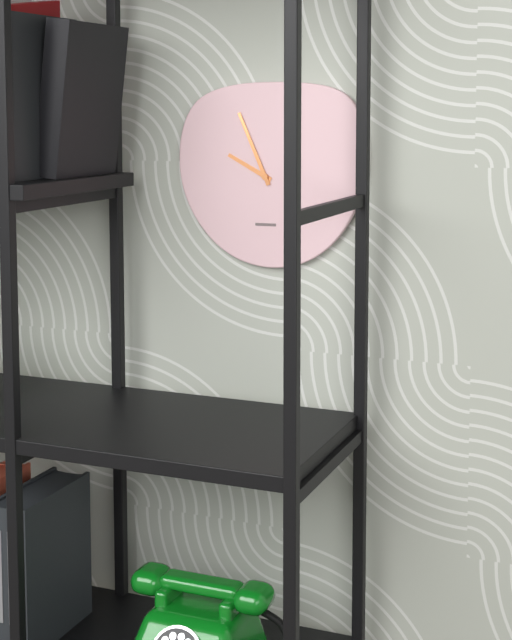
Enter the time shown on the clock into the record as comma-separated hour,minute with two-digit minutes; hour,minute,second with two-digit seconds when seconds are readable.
9,56
